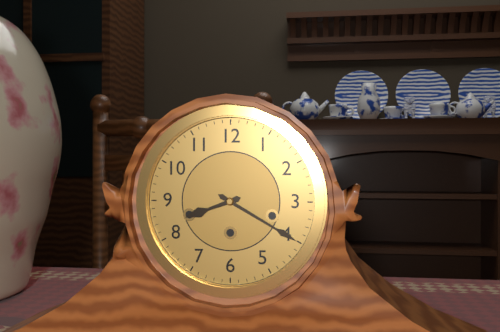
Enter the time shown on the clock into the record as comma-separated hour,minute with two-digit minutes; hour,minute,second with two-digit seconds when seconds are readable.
8,20
